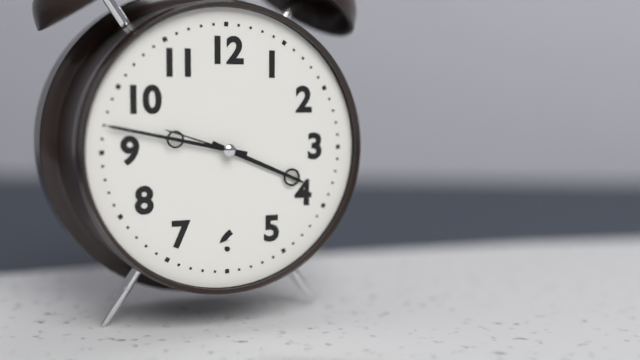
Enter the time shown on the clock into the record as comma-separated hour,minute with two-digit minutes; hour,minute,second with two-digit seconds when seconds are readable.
3,47,48
